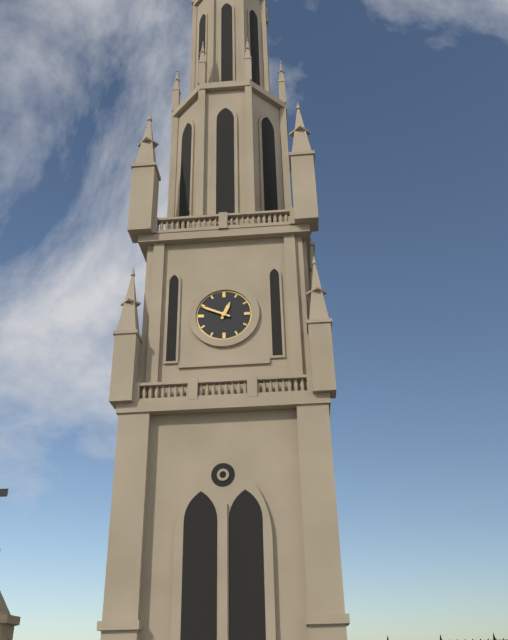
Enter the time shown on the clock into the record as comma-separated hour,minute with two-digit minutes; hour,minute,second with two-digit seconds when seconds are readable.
12,49
